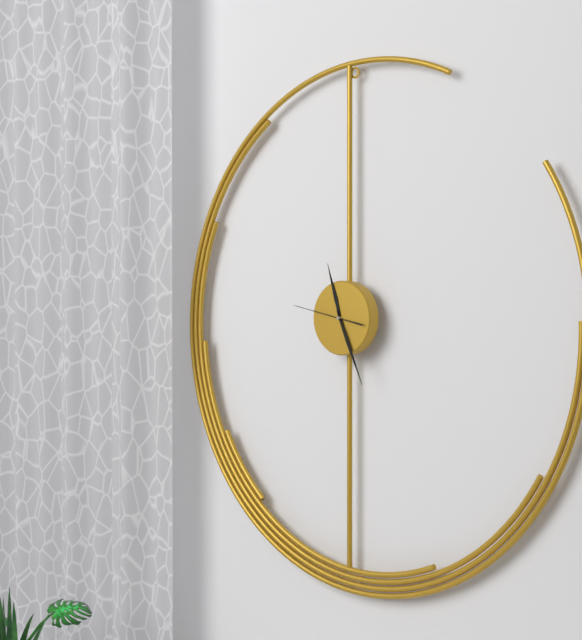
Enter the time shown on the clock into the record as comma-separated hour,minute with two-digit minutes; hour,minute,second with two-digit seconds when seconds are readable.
11,26,47
